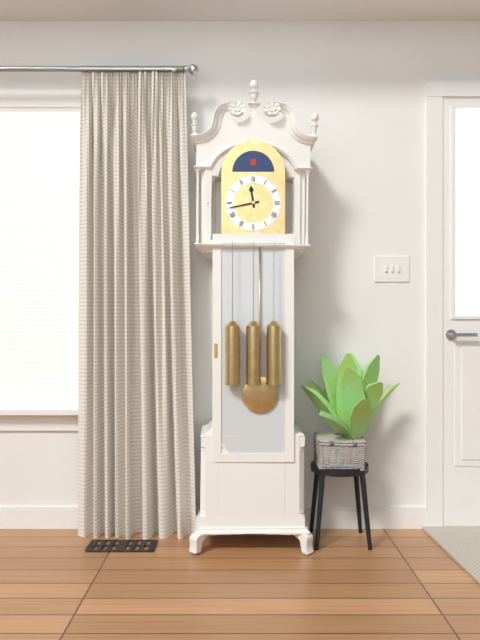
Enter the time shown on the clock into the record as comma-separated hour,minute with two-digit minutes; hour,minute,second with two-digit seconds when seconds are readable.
11,43
